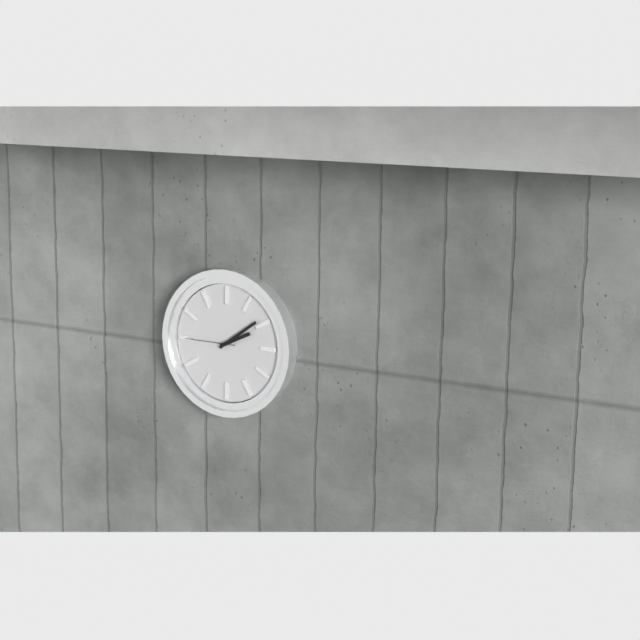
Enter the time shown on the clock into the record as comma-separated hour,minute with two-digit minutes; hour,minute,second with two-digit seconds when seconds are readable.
2,09,45
